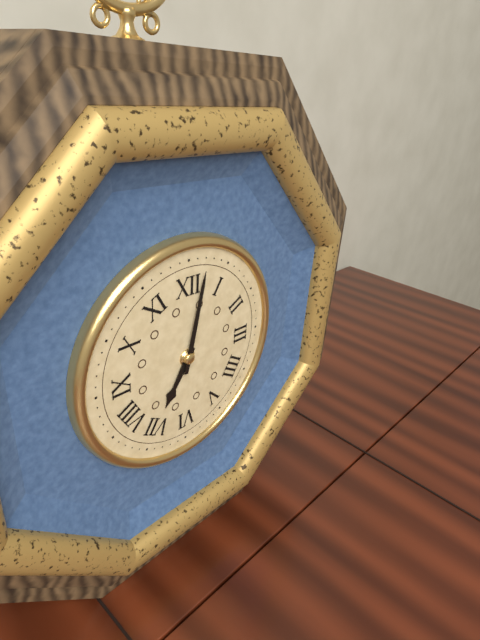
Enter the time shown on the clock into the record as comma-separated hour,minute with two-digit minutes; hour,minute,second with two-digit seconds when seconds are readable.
7,02
